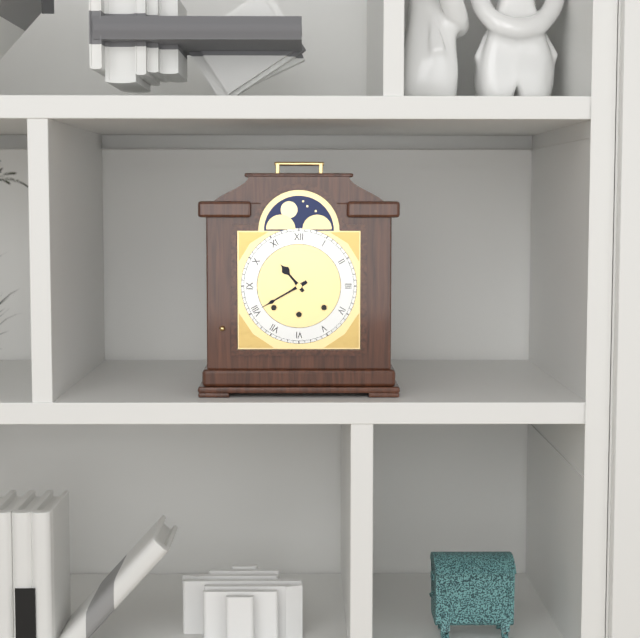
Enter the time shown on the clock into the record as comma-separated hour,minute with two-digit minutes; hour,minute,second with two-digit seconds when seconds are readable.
10,40
